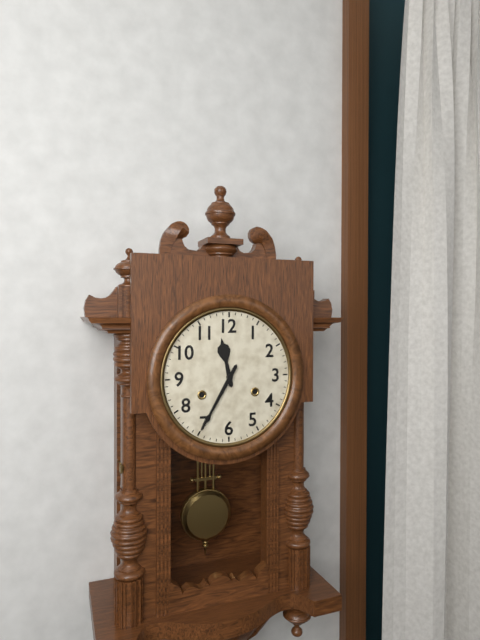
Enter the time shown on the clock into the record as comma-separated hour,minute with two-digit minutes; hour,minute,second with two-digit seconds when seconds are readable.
11,35
